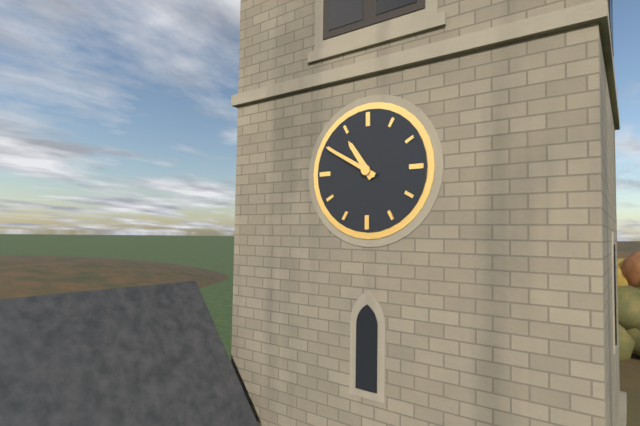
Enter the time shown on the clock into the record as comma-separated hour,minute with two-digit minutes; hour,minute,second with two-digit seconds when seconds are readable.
10,50
